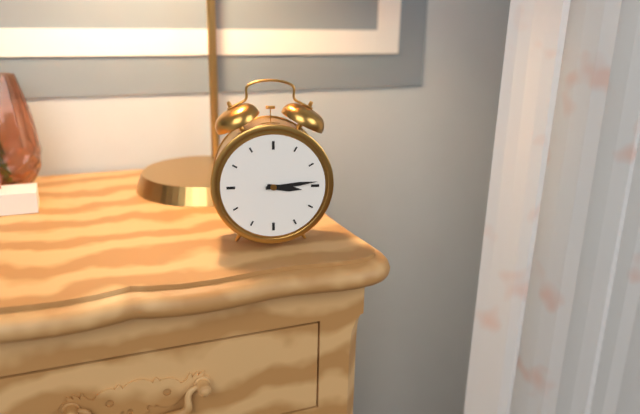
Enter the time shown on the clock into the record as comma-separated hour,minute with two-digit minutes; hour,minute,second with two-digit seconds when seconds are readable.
3,14
